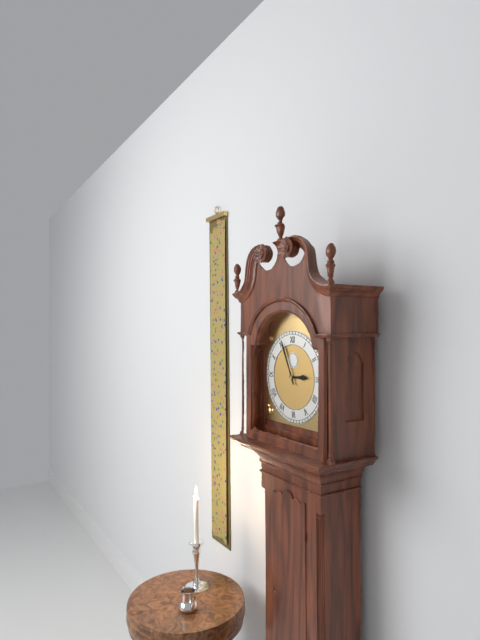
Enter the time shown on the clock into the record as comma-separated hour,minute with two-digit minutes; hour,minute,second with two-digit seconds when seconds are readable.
2,56
